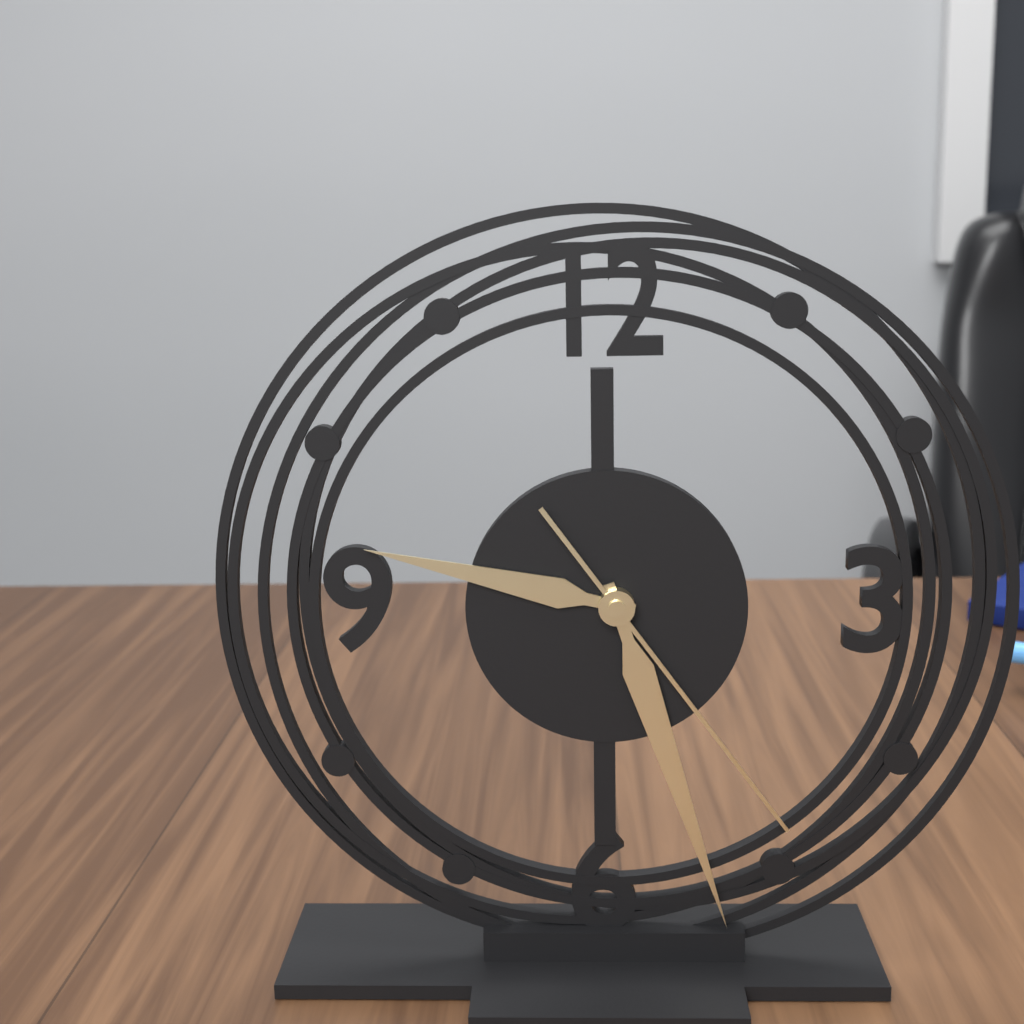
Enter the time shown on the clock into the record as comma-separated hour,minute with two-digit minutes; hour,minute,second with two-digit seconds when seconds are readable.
9,27,24
